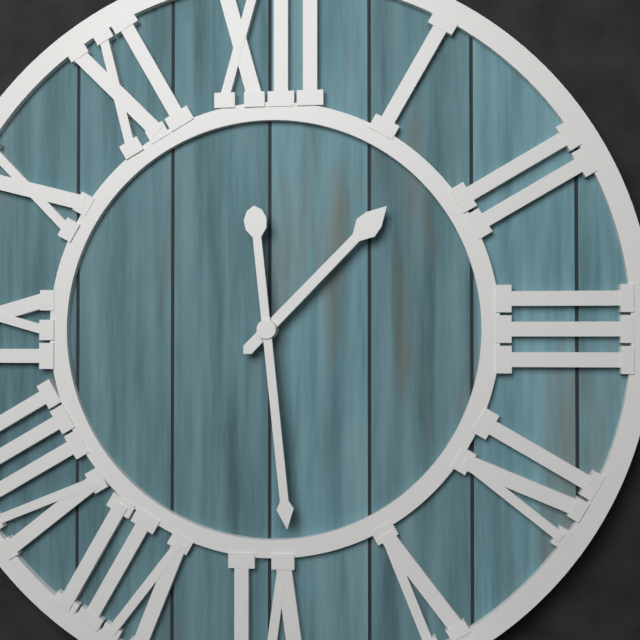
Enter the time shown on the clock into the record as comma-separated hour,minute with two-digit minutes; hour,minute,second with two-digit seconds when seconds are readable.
1,29
